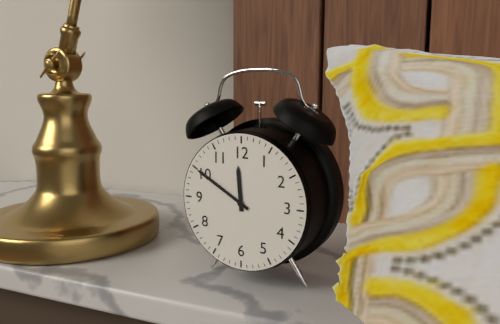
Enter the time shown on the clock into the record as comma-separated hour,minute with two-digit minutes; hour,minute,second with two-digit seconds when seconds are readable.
11,50
